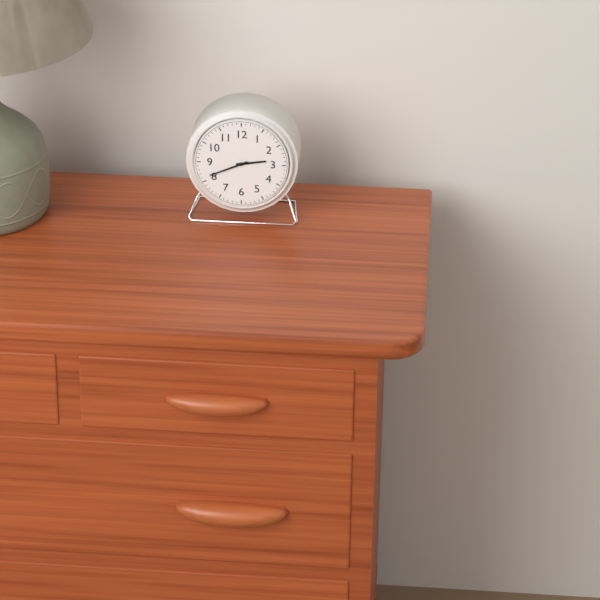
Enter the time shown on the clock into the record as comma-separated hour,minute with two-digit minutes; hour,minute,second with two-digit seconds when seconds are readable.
2,41
